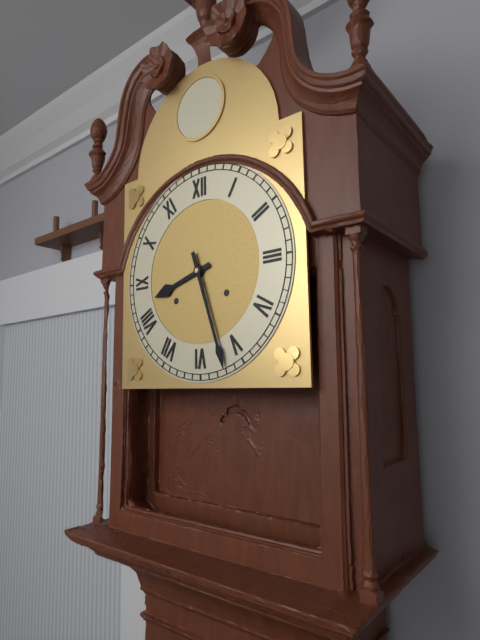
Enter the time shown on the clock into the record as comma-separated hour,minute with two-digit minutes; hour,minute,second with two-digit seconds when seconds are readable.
8,27
